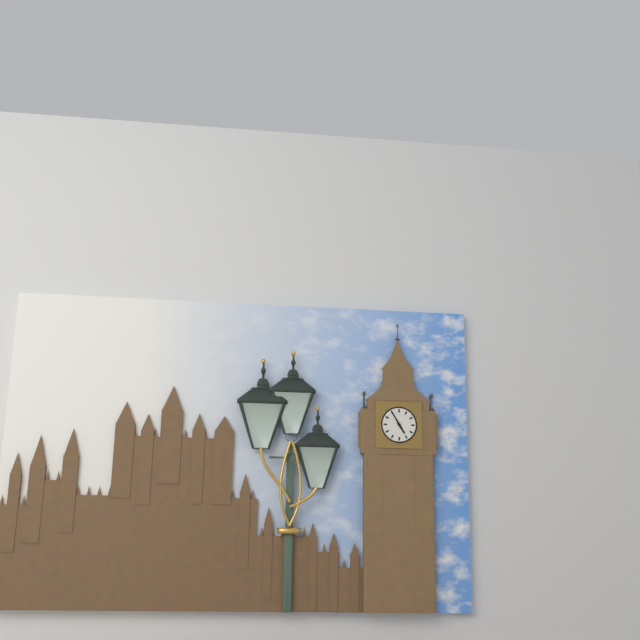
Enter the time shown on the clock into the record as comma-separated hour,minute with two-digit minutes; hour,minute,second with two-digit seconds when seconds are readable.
4,55
